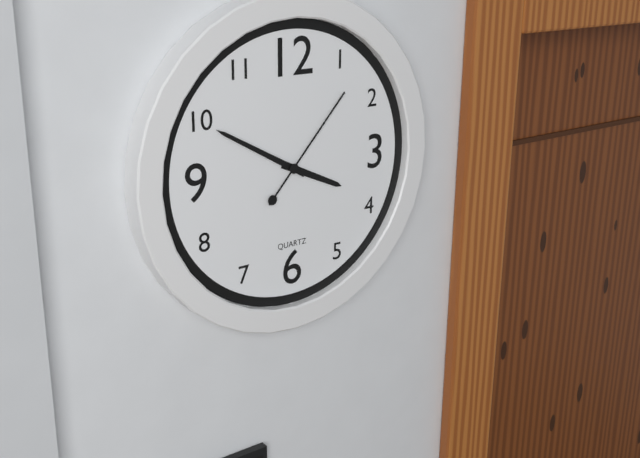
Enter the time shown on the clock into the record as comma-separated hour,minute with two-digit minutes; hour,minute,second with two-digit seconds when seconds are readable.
3,50,07
